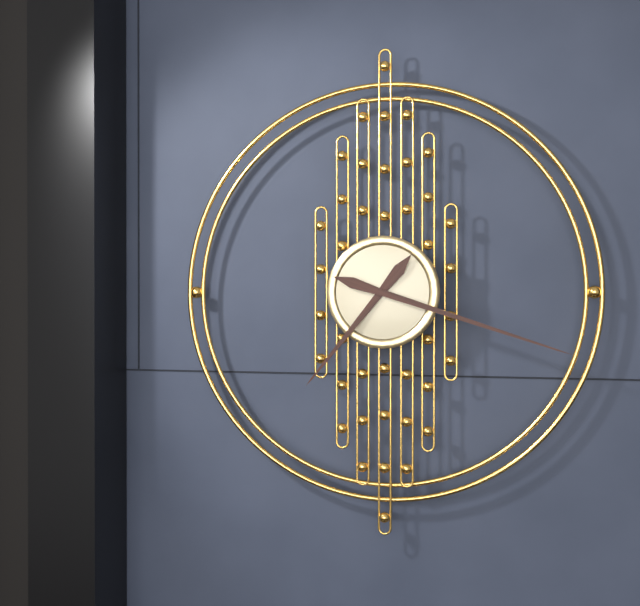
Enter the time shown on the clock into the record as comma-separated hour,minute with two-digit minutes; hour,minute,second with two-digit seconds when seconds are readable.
7,18
